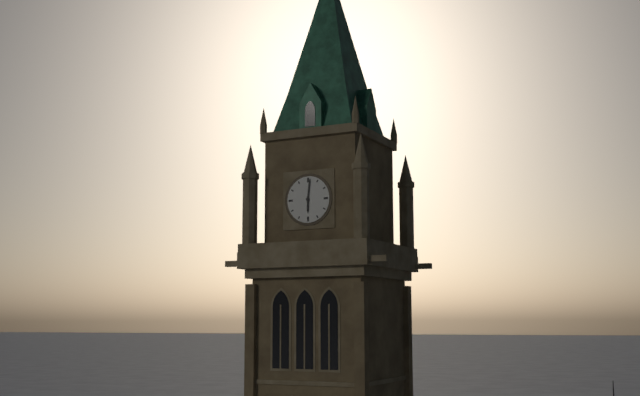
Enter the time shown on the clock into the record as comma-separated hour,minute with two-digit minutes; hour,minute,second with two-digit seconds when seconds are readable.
6,01
